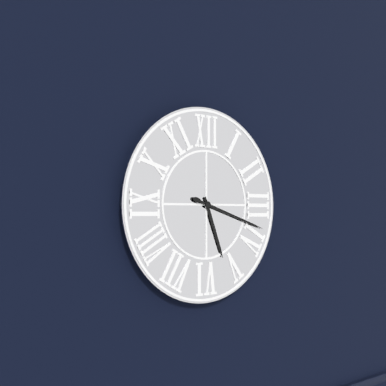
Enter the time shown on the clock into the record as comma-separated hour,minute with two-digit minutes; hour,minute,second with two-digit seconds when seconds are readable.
5,18
